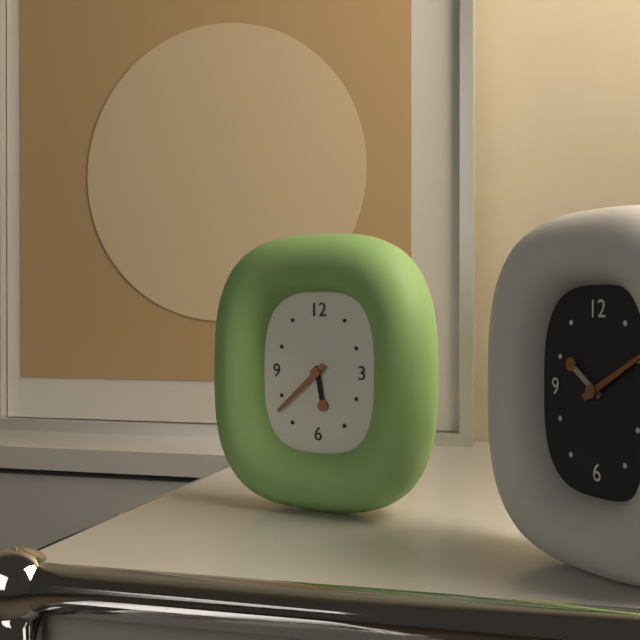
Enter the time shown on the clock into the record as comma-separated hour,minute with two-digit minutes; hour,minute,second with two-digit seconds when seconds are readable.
5,38
